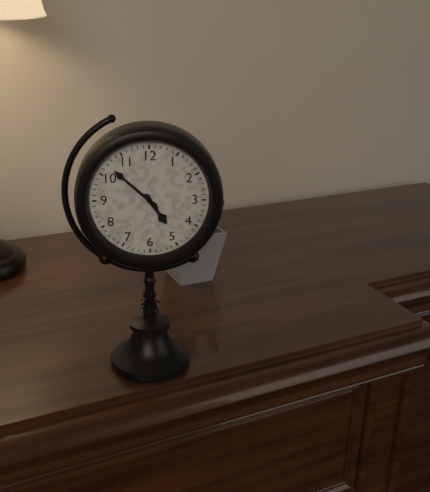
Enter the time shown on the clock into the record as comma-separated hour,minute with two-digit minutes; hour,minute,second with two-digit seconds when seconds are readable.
4,52
